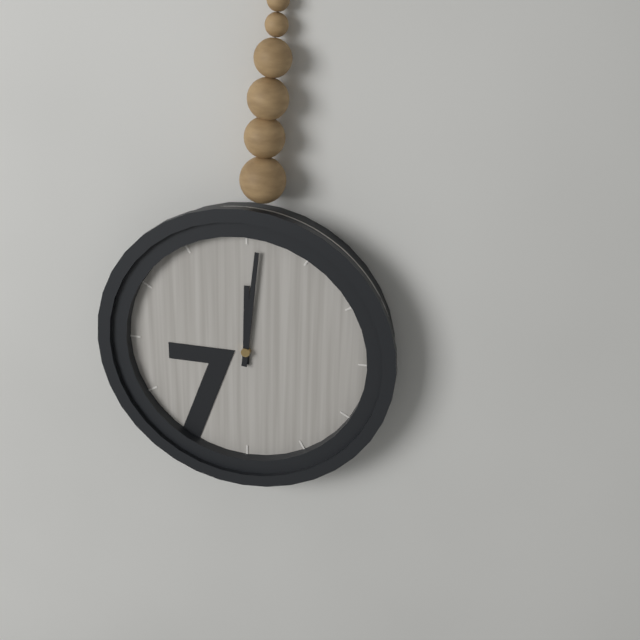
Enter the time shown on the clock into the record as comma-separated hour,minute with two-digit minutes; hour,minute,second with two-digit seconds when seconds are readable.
12,01
